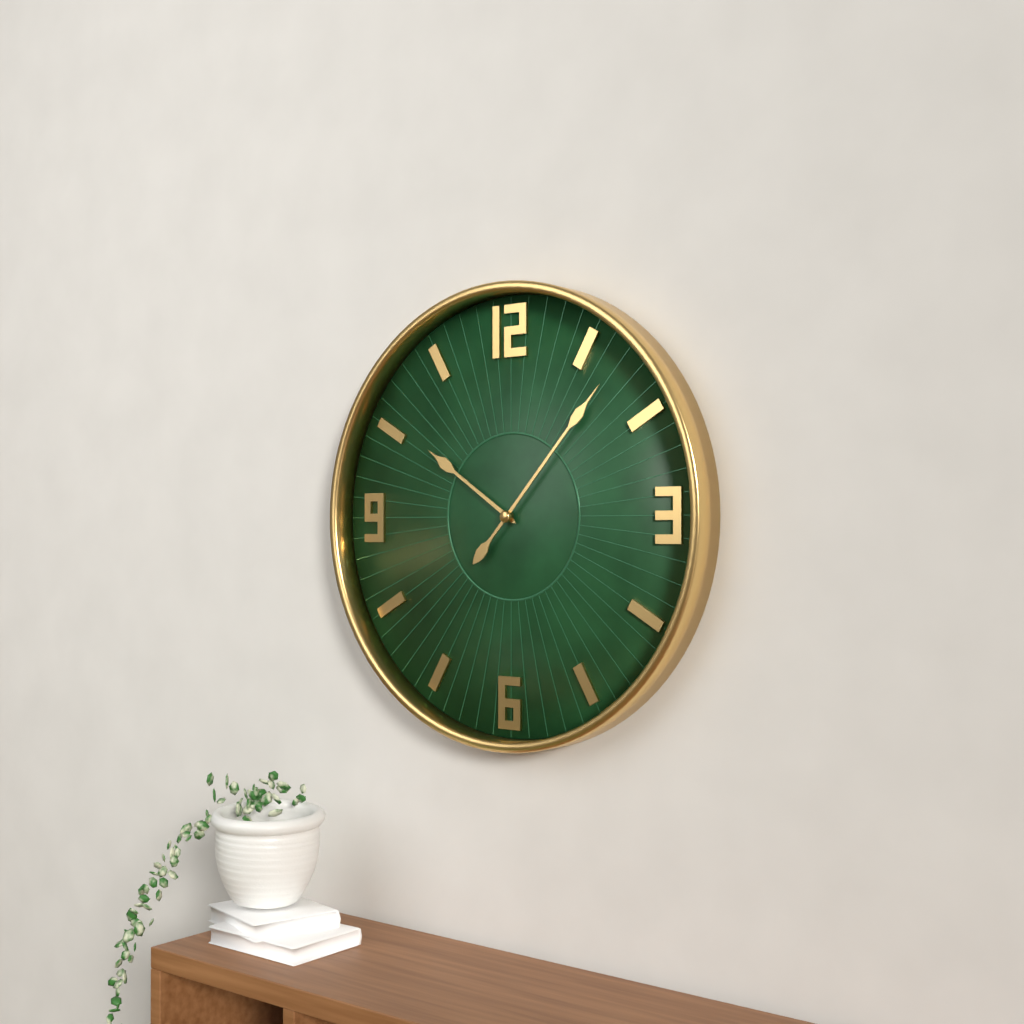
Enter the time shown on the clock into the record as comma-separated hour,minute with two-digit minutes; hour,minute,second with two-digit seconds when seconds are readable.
10,07
